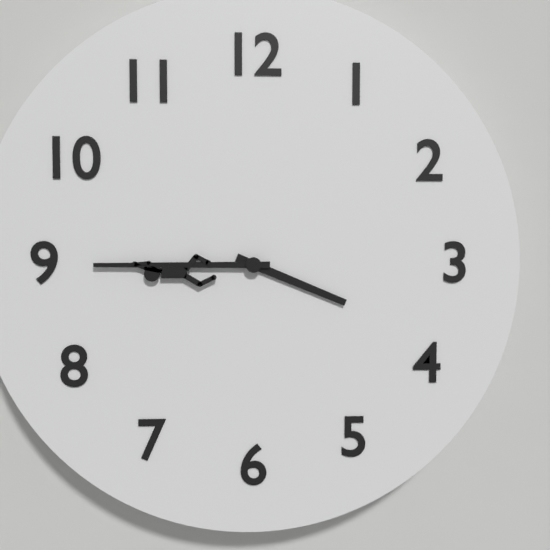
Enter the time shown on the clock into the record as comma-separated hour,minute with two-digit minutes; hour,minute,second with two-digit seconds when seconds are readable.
3,45
